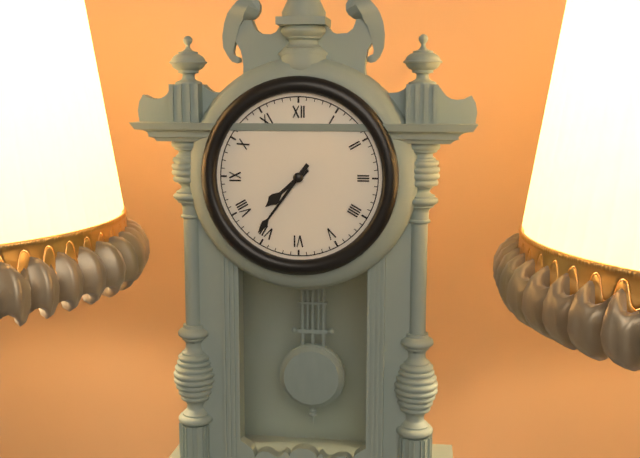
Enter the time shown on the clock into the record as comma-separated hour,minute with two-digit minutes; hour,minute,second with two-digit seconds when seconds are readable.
7,36
